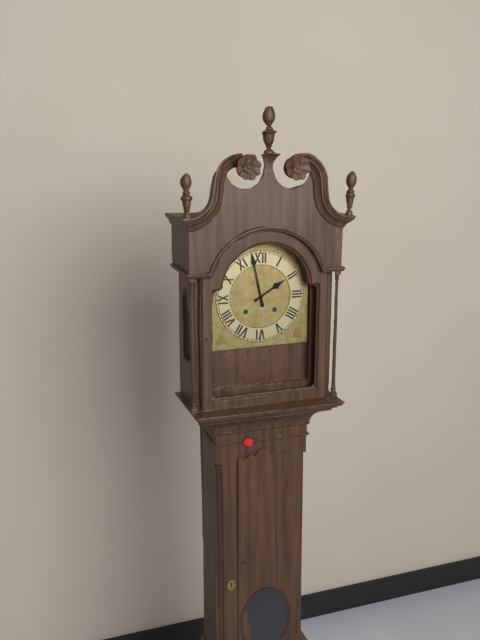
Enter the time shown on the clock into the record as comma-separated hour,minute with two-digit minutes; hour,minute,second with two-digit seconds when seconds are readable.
1,58
